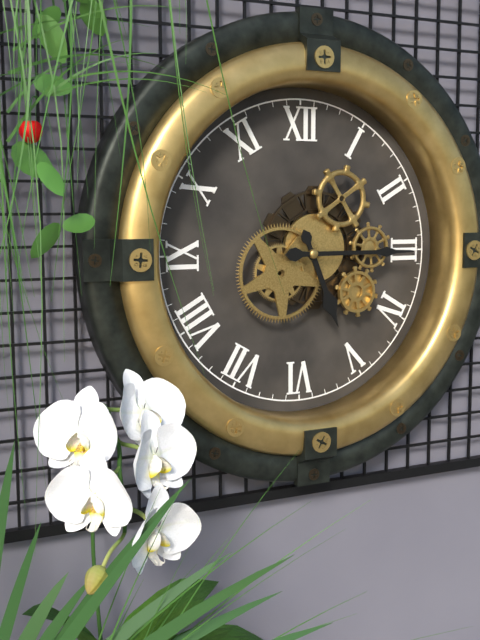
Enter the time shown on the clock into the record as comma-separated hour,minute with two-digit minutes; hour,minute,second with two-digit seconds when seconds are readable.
5,15
